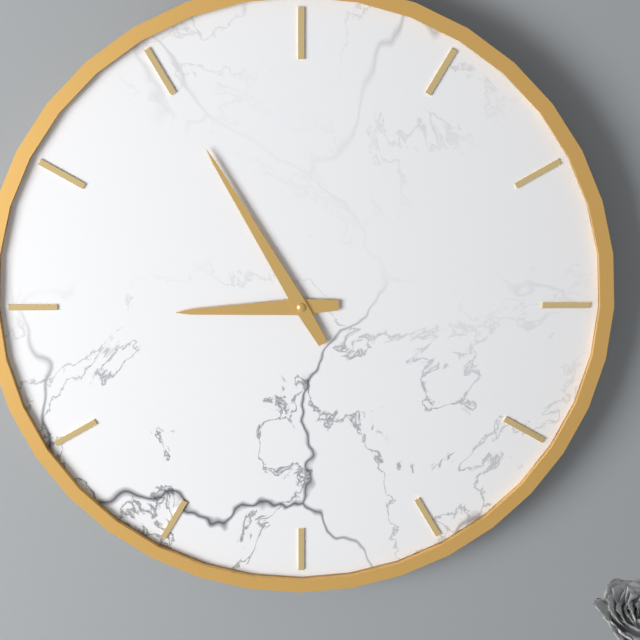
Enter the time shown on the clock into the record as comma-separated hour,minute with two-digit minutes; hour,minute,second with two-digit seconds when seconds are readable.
8,55
